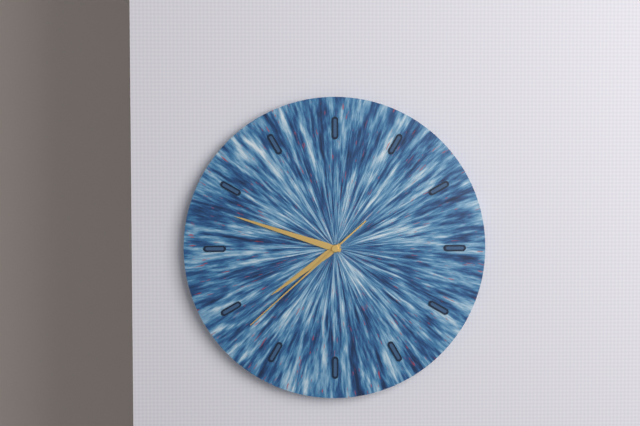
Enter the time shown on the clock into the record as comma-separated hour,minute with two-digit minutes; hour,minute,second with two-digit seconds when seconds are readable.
7,48,38
